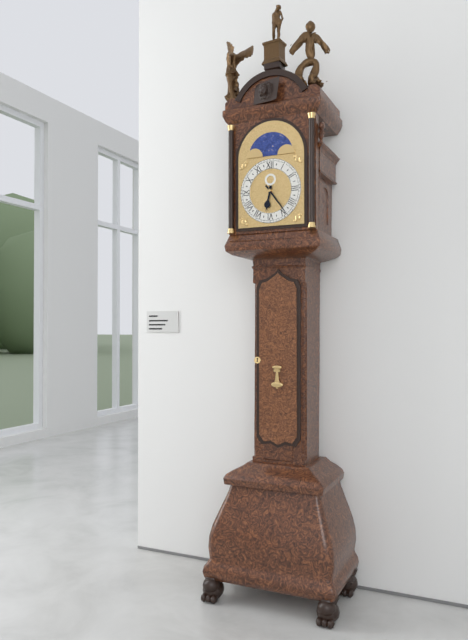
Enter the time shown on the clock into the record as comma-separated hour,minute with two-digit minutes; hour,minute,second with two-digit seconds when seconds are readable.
6,24
